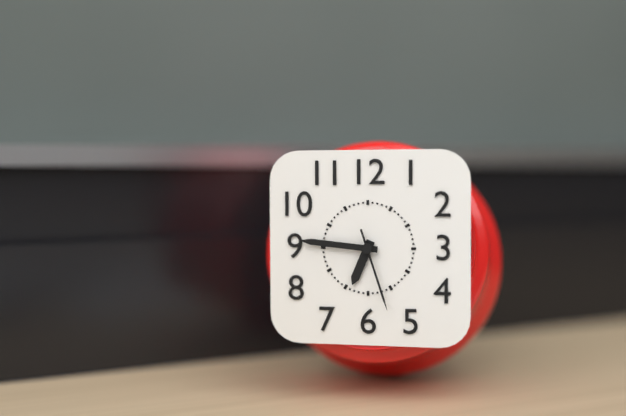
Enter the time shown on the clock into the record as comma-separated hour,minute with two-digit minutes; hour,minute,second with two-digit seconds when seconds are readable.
6,46,27
